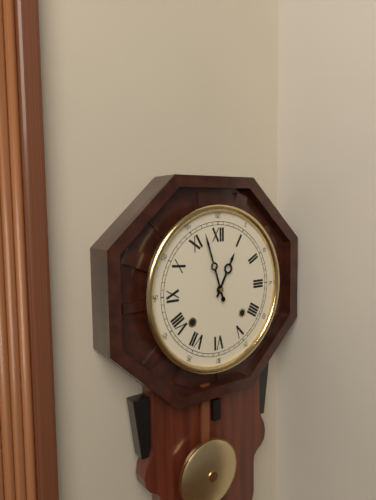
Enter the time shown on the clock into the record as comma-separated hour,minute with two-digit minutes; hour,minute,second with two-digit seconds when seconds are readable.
12,57
